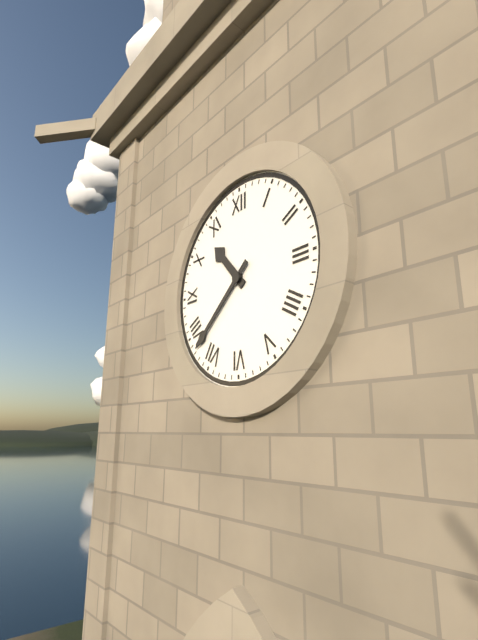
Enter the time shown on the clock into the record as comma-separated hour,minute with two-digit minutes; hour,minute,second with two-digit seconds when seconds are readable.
10,38
